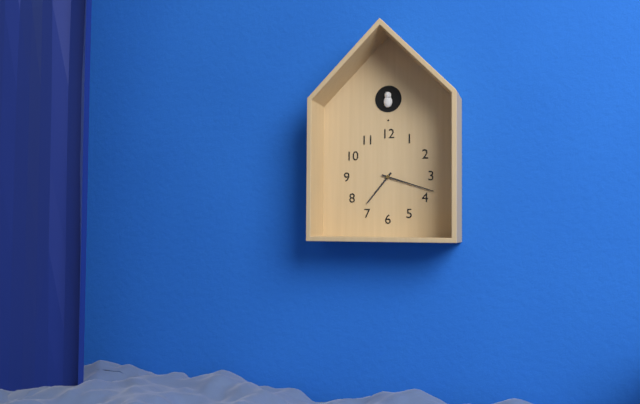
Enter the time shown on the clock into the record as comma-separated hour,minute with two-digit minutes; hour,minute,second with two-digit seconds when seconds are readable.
7,18
